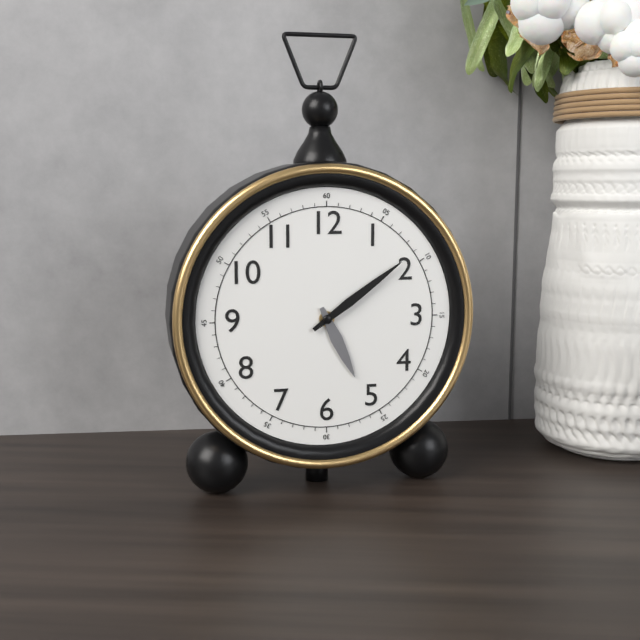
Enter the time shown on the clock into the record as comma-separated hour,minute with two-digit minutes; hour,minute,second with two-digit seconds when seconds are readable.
5,09
